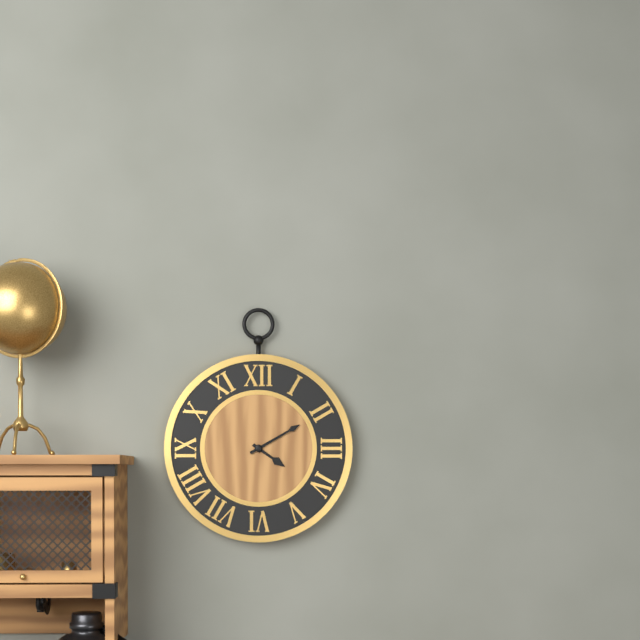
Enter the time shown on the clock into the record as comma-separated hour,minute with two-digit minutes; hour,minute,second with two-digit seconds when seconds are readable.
4,10
